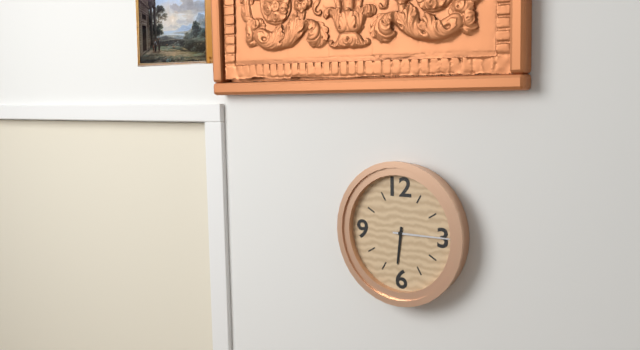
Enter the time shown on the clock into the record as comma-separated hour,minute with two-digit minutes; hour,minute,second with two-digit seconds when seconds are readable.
6,15
